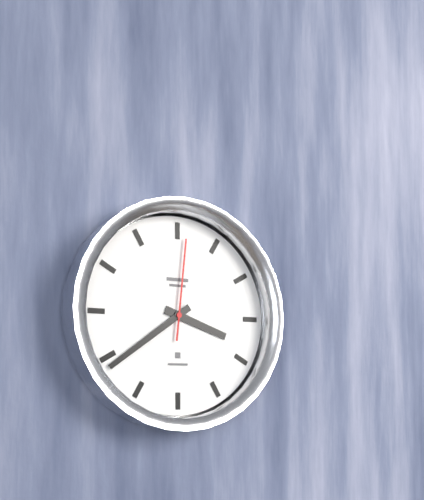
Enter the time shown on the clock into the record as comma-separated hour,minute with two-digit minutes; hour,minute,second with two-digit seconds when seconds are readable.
3,39,01
